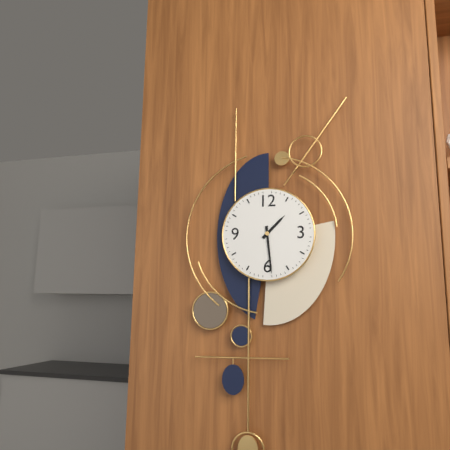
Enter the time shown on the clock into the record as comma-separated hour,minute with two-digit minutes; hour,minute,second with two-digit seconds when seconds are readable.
1,29
